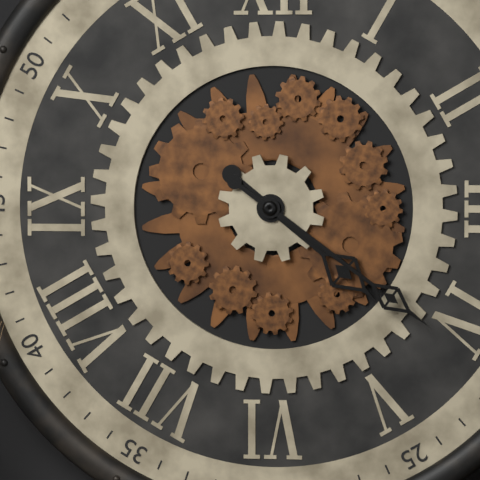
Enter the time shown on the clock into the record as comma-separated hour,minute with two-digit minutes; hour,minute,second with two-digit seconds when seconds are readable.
4,21
